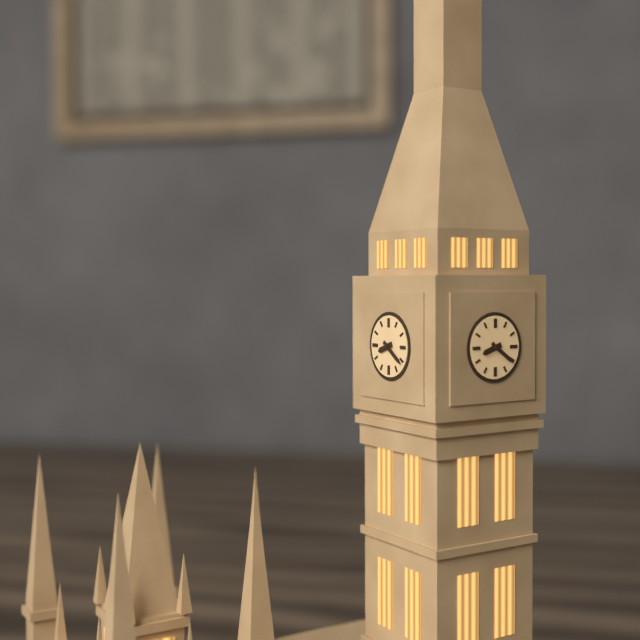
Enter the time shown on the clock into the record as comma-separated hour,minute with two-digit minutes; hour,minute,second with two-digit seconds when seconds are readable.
8,21
